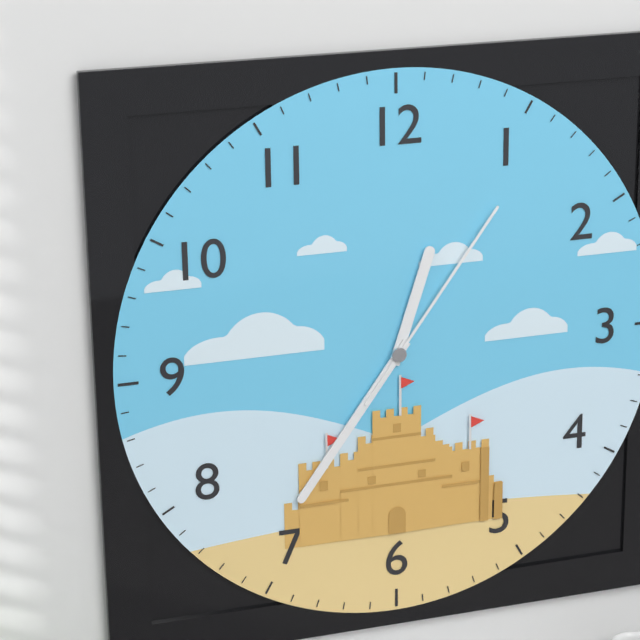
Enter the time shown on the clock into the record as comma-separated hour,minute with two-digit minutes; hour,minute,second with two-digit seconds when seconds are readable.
12,36,06
